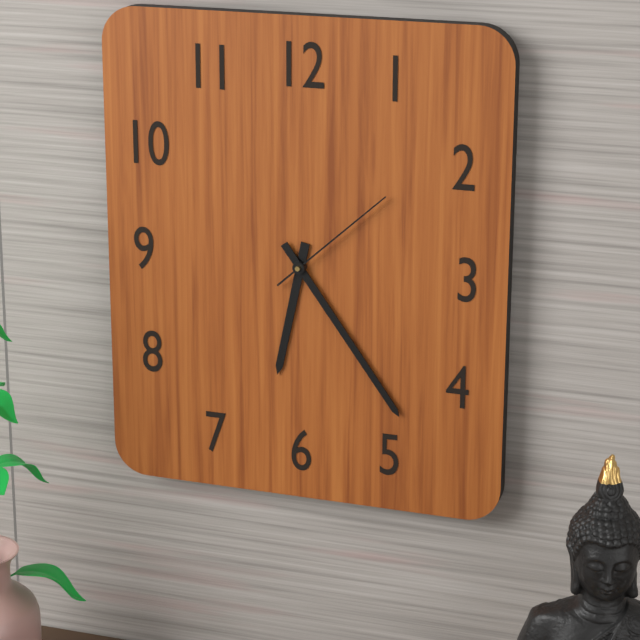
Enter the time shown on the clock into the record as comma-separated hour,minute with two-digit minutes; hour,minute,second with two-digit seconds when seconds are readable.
6,24,08
